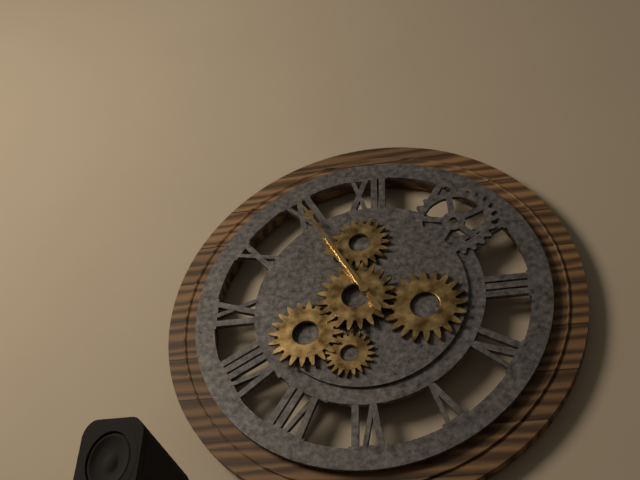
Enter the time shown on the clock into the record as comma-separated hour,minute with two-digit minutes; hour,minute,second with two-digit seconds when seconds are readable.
10,55
